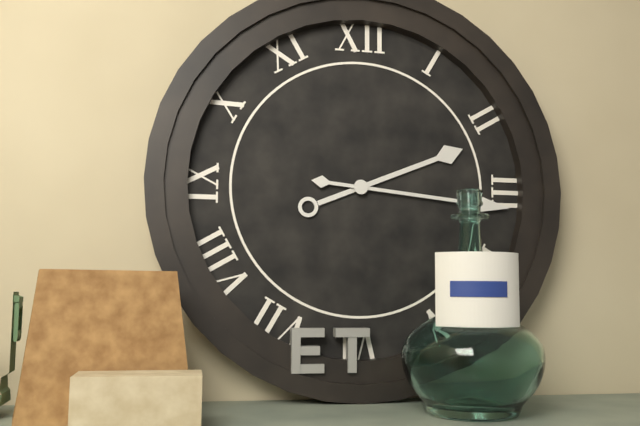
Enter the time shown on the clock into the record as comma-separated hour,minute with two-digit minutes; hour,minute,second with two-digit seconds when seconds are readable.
2,16
